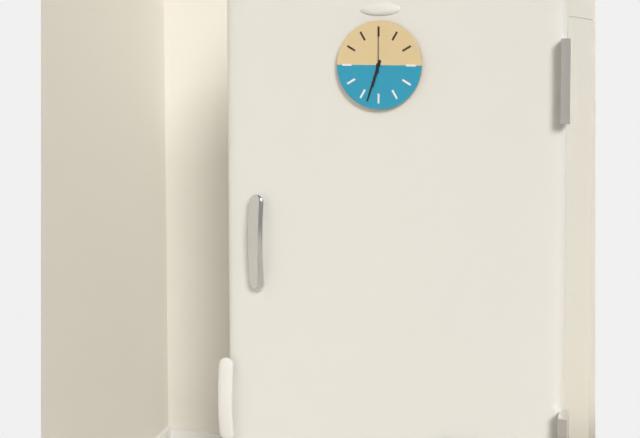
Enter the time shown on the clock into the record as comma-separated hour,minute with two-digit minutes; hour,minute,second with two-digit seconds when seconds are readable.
6,33
